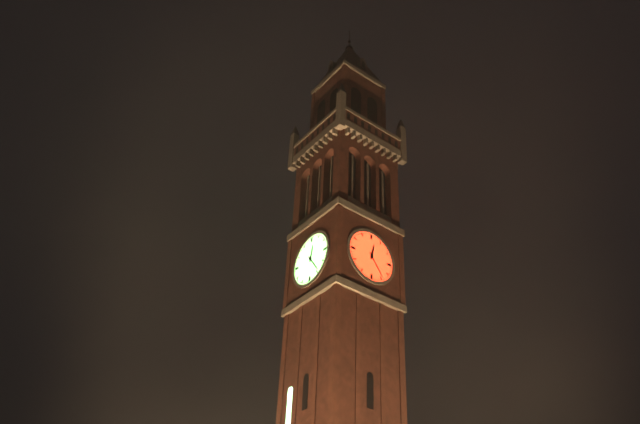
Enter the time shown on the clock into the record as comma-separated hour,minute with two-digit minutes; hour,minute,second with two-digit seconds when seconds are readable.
12,24
